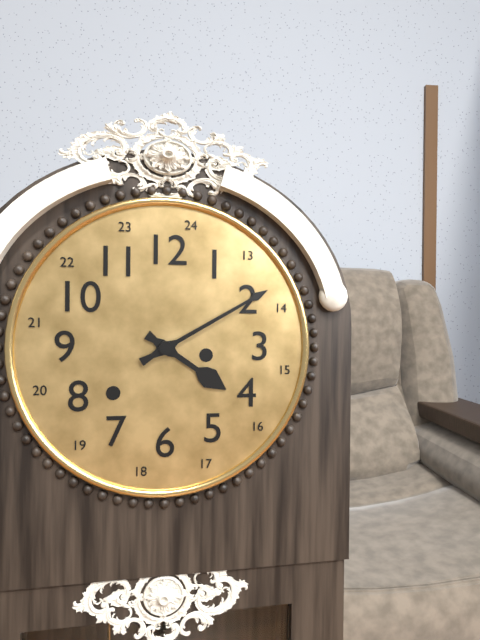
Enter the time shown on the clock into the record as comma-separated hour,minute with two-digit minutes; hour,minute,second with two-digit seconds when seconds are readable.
4,10
